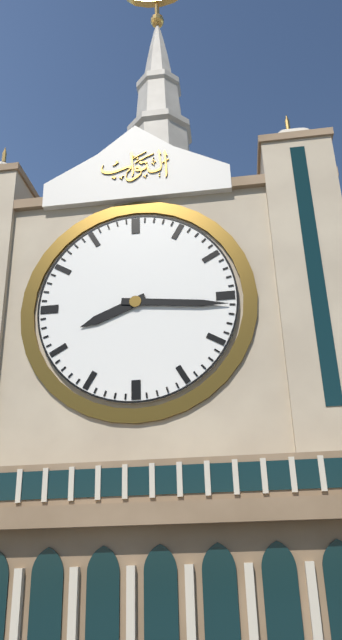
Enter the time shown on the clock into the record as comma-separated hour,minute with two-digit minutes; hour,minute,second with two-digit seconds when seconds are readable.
8,16
